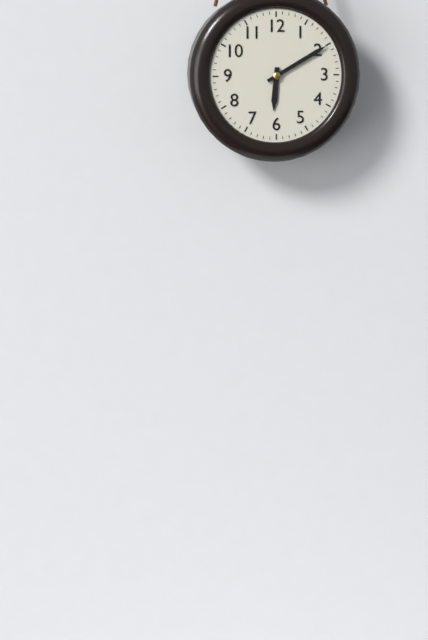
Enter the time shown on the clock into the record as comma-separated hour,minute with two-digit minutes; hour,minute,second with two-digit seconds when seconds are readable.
6,10
